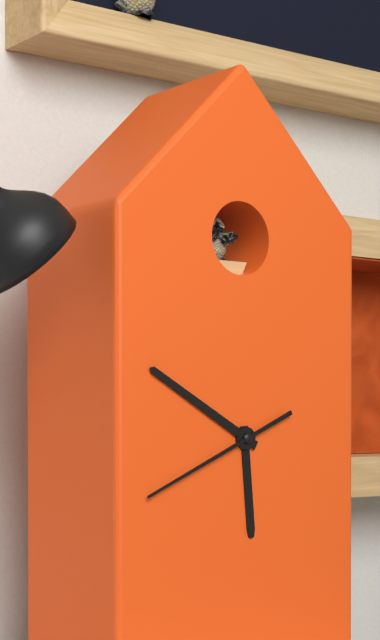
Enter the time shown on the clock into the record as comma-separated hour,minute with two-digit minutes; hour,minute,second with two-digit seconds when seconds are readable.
5,50,41
